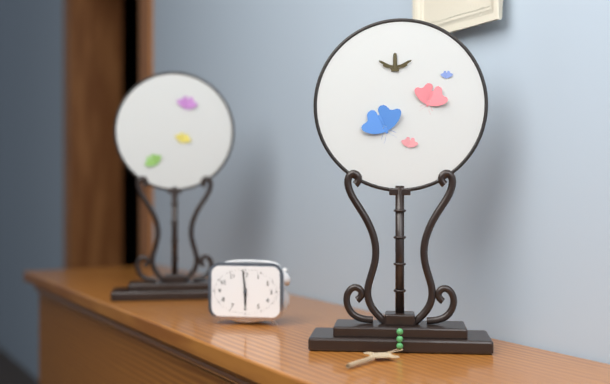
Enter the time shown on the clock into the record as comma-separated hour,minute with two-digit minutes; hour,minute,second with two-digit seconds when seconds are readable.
5,59
